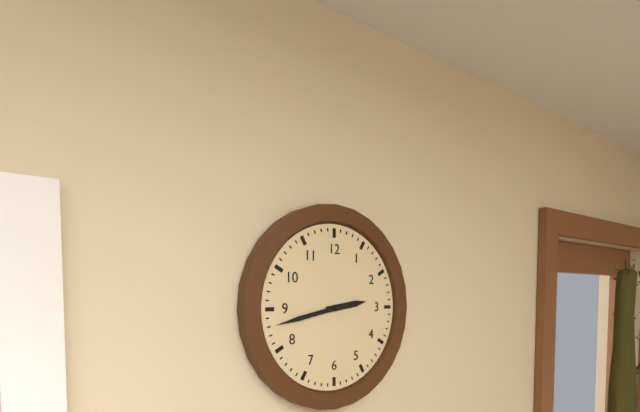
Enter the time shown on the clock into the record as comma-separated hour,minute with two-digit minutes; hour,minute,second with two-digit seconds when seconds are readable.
2,43
